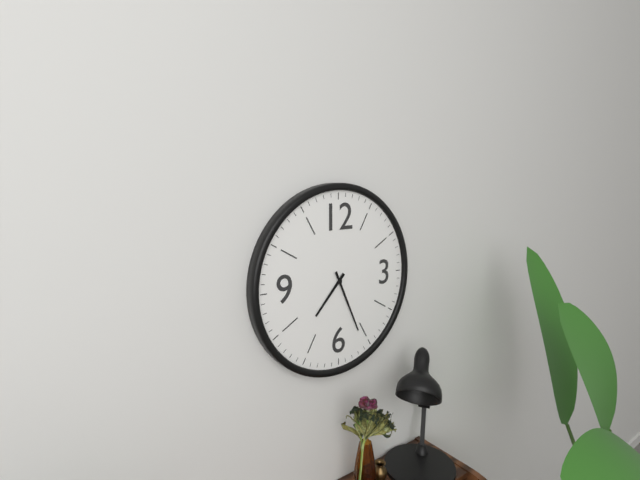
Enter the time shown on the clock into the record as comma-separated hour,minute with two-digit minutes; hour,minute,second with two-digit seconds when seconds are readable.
7,26
